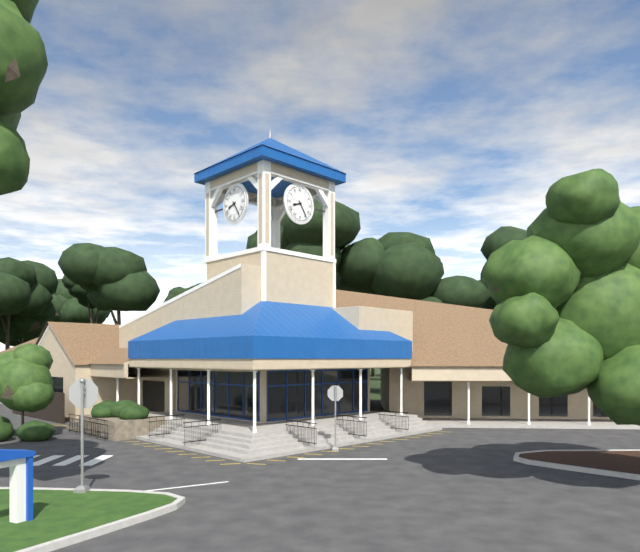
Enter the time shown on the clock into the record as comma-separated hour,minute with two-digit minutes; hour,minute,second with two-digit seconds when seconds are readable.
8,24
